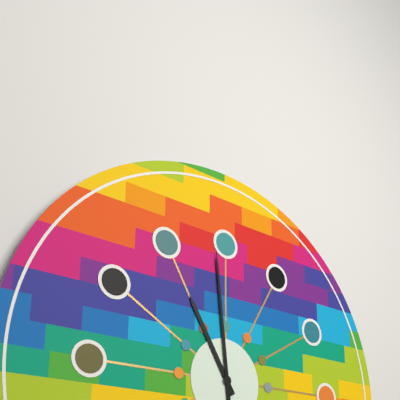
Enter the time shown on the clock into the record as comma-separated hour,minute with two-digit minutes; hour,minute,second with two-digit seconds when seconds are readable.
10,59
